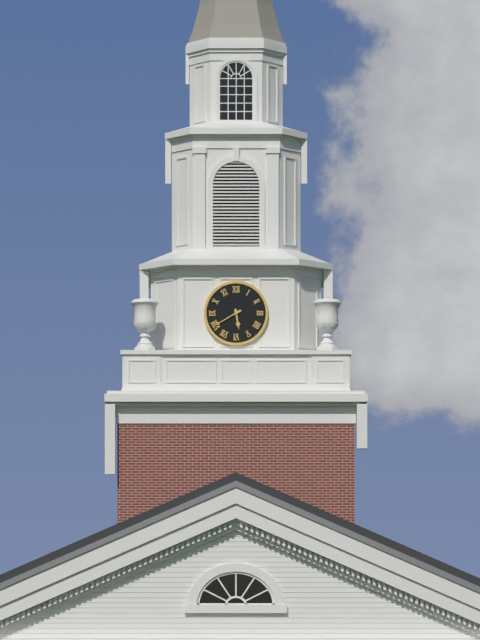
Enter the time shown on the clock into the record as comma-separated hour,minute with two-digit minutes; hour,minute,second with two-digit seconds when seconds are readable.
5,40
